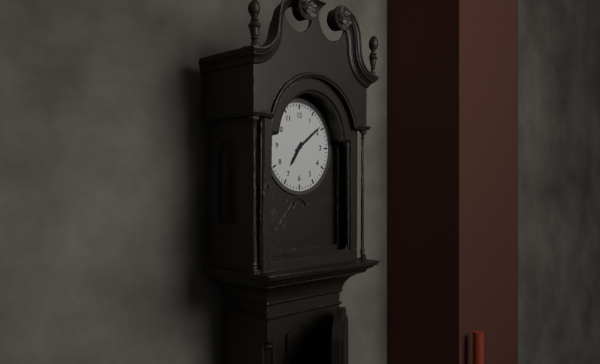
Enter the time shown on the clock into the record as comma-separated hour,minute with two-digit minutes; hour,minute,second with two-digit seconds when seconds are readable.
7,09
